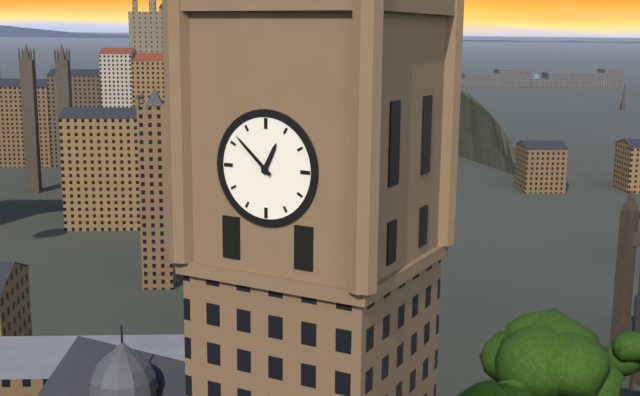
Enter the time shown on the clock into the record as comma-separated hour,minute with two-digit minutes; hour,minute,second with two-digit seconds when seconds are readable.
12,52
